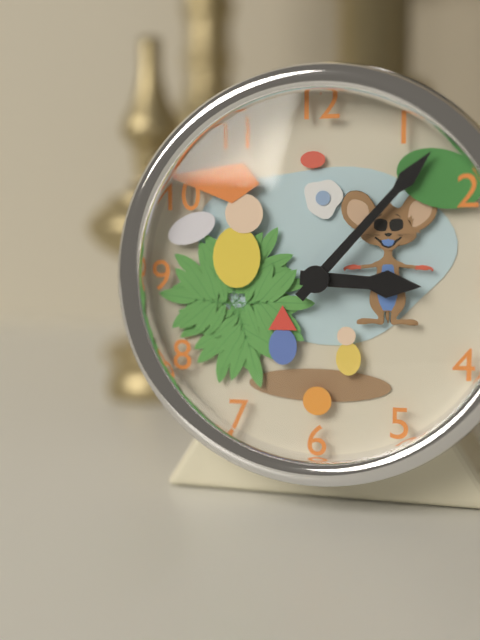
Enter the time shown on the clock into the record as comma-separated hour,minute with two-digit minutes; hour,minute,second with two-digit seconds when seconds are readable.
3,07
